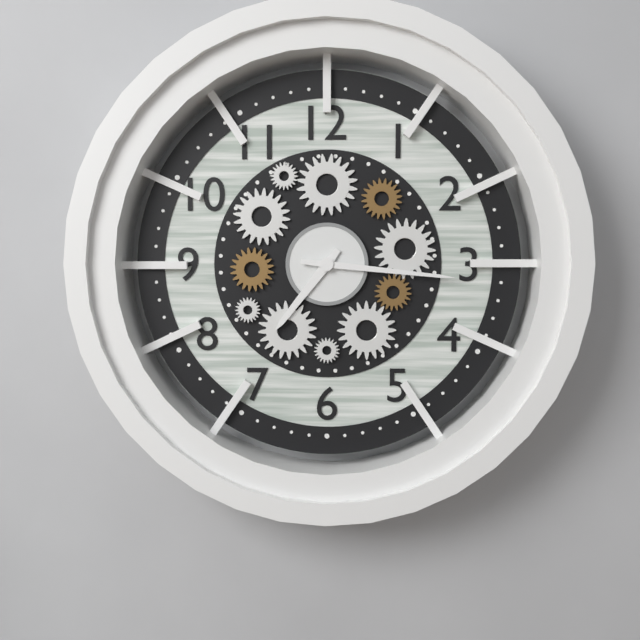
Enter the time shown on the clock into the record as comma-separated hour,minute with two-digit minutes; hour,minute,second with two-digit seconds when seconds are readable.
7,16
